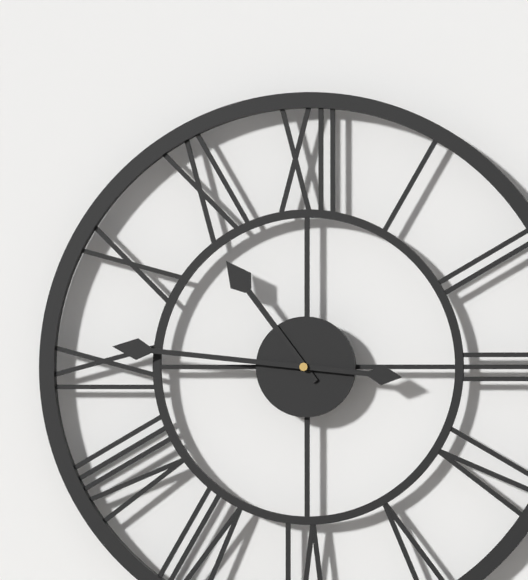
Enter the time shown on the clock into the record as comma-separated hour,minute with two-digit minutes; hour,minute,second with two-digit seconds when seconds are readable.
10,46
